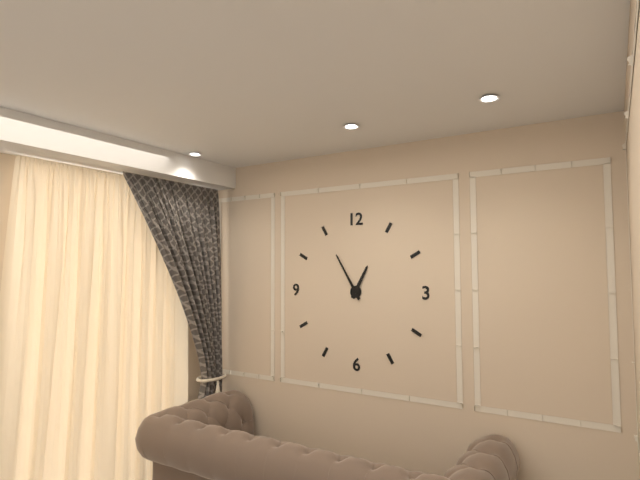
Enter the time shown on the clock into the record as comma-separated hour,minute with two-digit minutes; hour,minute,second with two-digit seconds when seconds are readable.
12,55
